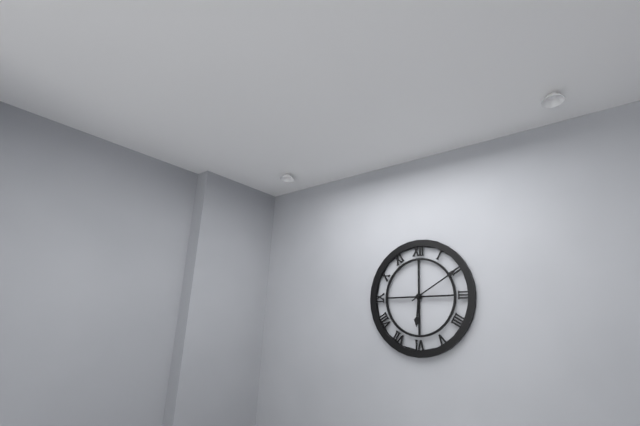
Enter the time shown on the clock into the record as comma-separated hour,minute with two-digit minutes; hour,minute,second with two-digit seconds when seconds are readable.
6,10
